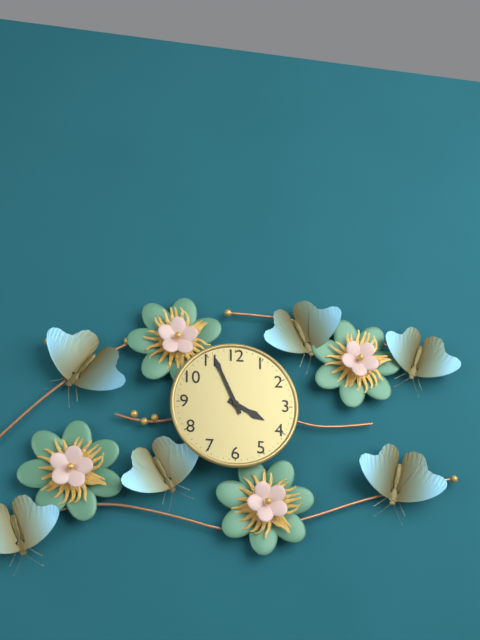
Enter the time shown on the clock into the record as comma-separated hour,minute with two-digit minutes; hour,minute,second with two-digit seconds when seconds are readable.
3,56
